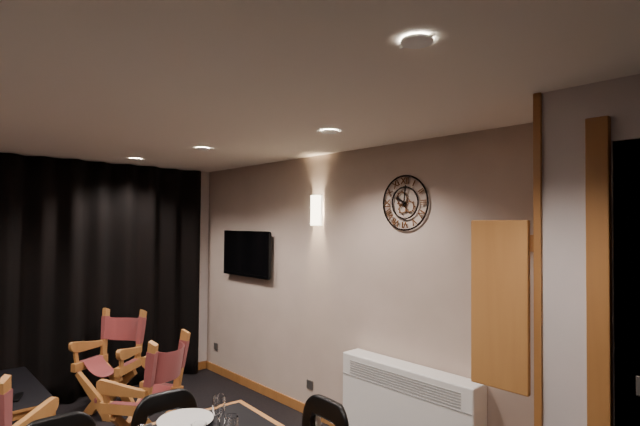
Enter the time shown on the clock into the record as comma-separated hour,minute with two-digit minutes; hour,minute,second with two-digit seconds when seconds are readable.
10,01
